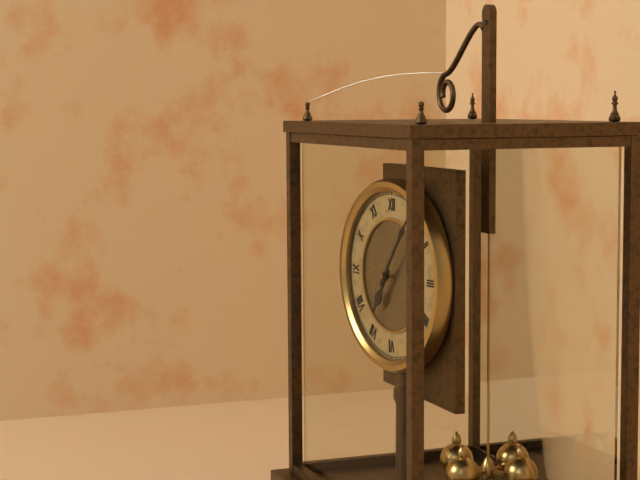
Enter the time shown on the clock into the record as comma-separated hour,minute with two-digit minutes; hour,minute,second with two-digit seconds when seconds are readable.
7,06
